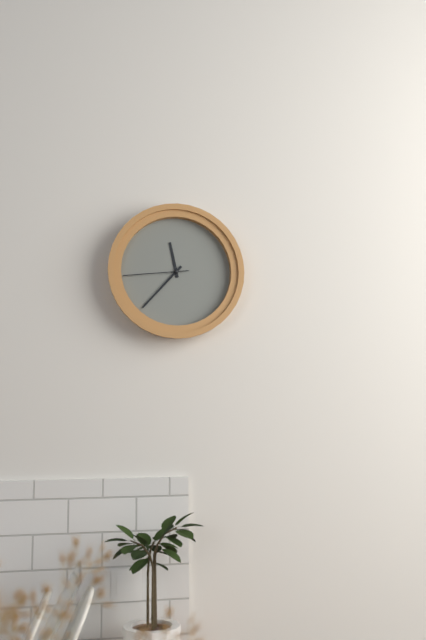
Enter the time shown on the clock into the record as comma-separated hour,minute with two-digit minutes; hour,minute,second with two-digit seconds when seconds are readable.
11,37,44
